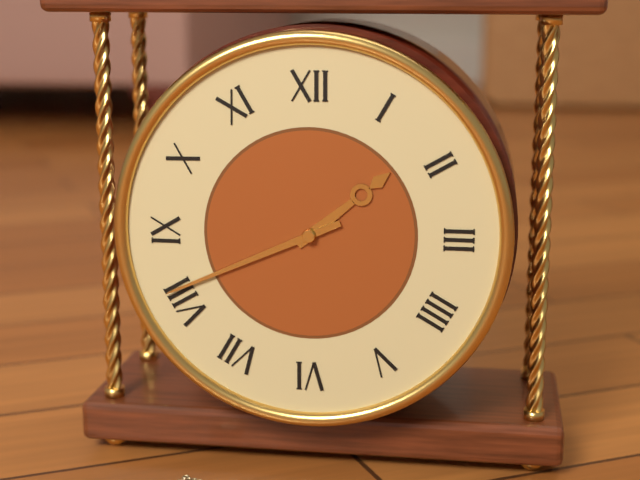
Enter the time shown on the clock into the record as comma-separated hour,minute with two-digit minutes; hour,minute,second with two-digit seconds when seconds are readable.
1,41
